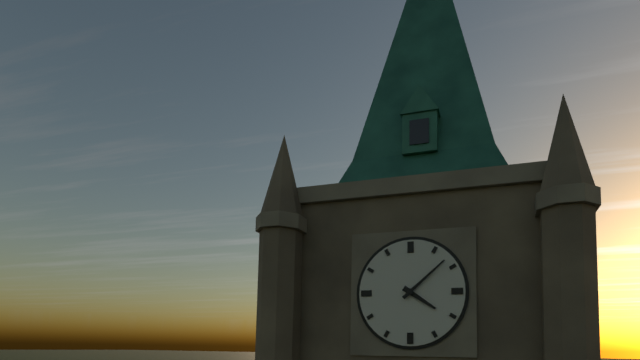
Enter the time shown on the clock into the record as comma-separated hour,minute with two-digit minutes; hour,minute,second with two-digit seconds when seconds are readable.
4,08
